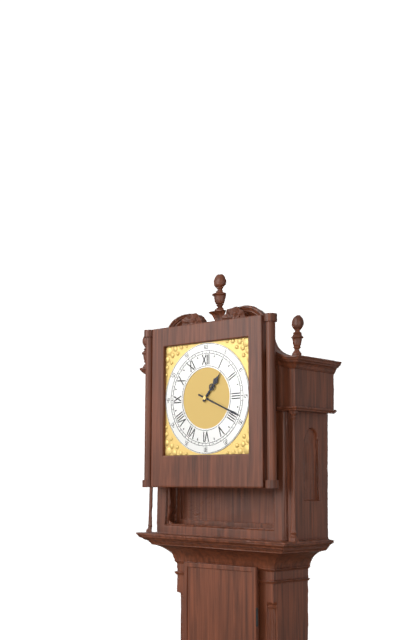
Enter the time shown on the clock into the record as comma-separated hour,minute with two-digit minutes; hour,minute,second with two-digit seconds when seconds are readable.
1,19
